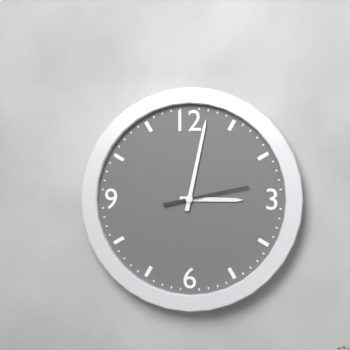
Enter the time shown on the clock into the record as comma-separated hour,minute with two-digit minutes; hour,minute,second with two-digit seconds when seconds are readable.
3,02,13
